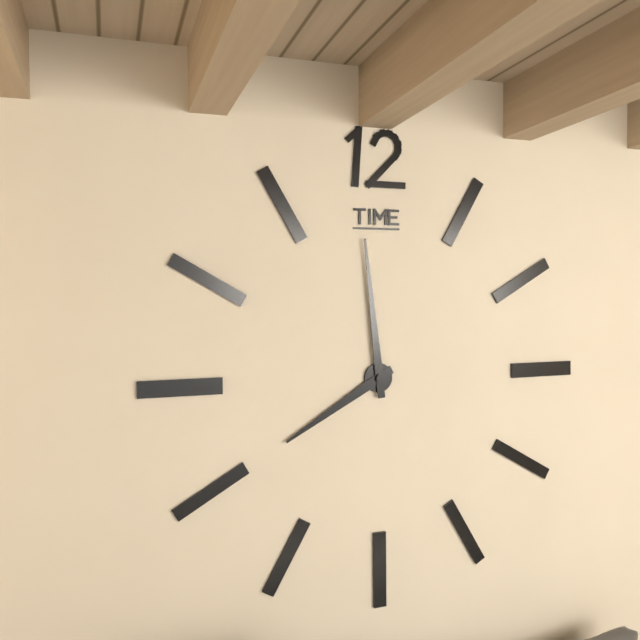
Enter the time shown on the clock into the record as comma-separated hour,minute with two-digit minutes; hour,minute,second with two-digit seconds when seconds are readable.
7,59
